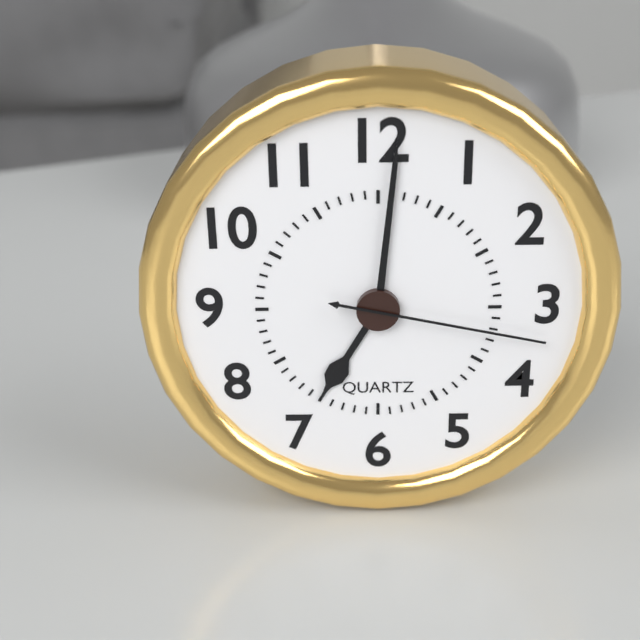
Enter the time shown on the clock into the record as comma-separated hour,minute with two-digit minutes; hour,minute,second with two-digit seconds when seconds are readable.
7,01,17
